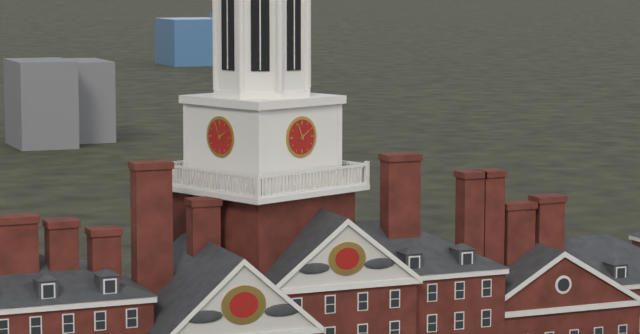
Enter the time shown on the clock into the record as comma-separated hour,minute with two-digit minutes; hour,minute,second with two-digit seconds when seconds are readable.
1,56
